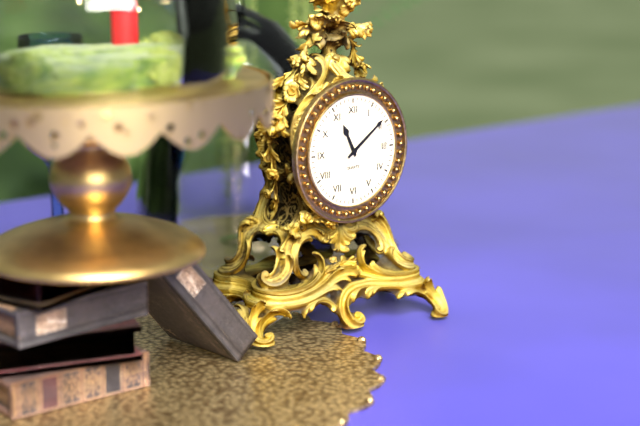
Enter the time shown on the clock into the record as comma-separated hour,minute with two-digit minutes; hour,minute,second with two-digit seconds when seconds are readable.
11,09
